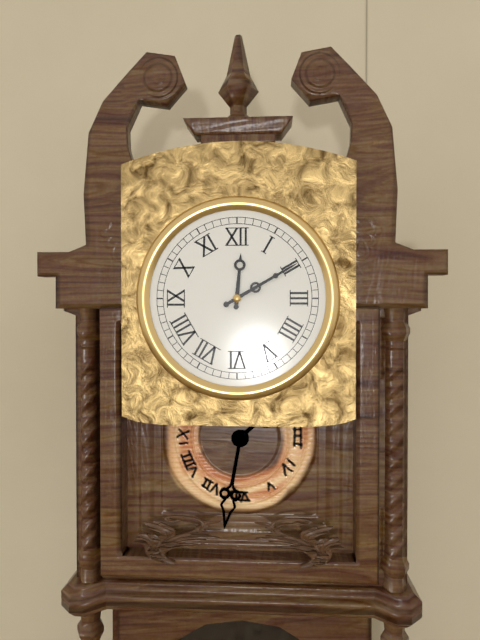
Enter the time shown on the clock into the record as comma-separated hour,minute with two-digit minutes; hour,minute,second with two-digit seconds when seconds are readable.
12,10
